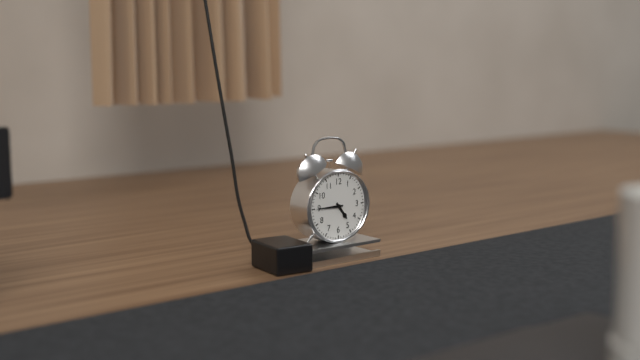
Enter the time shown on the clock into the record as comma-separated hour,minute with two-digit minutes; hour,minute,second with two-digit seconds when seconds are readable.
4,45
